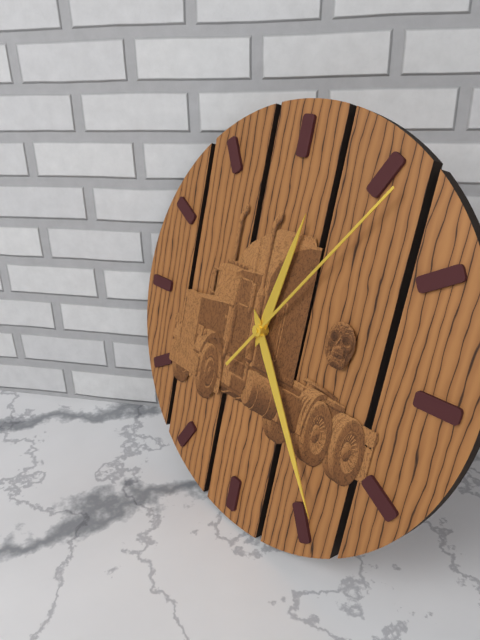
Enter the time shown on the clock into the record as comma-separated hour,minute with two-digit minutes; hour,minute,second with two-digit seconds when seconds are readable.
12,24,06
